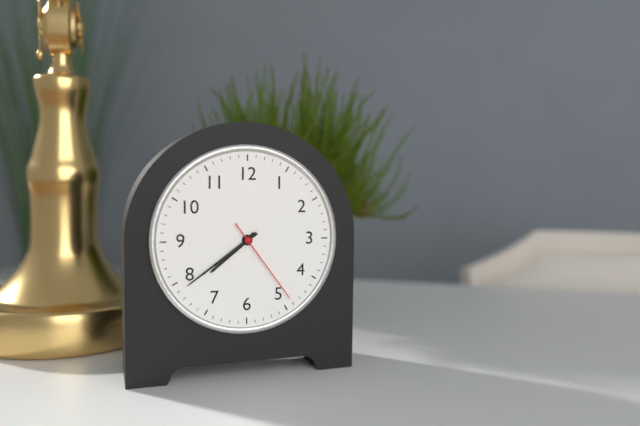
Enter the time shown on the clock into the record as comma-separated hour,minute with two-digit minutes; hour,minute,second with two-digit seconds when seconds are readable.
7,39,24
